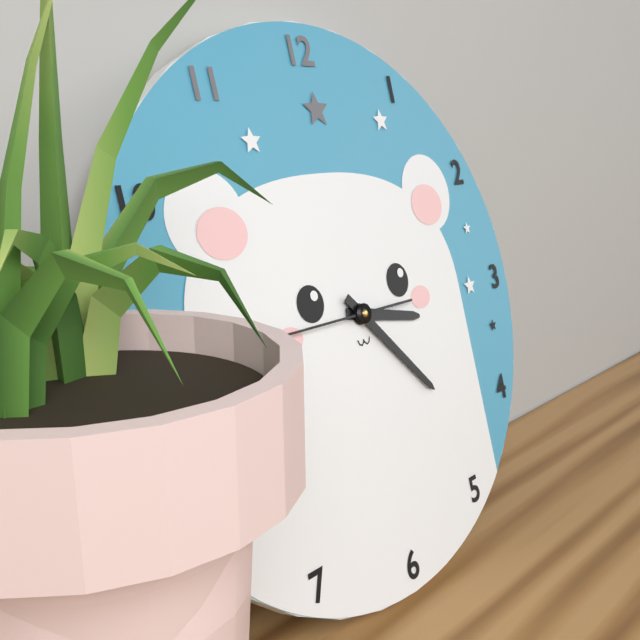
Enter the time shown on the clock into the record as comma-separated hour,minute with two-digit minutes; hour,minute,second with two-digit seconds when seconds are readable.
3,23
